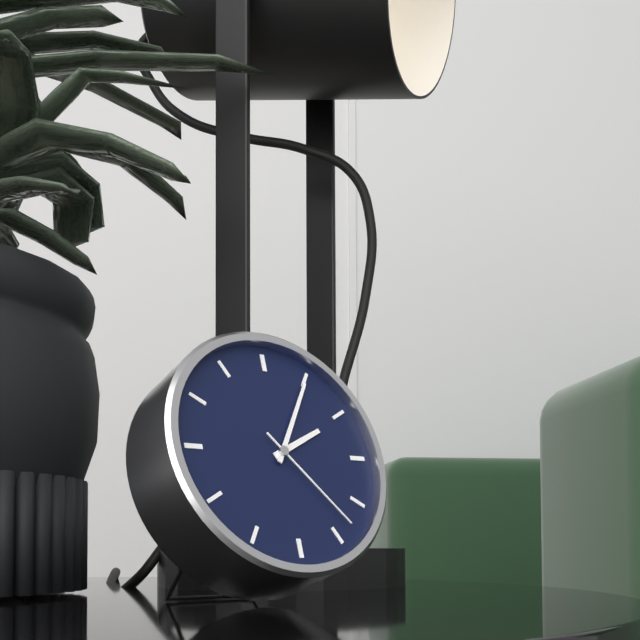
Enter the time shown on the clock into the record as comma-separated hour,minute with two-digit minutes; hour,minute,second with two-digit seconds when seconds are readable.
2,05,23
